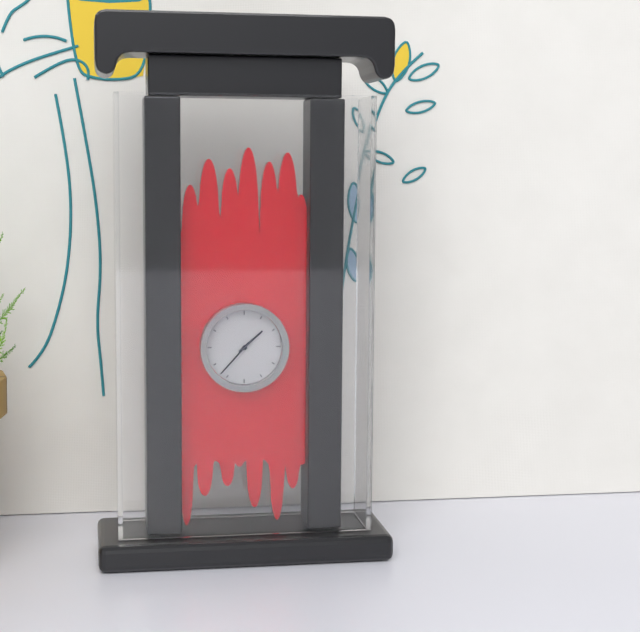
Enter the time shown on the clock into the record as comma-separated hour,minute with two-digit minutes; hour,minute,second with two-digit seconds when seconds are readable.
1,37
